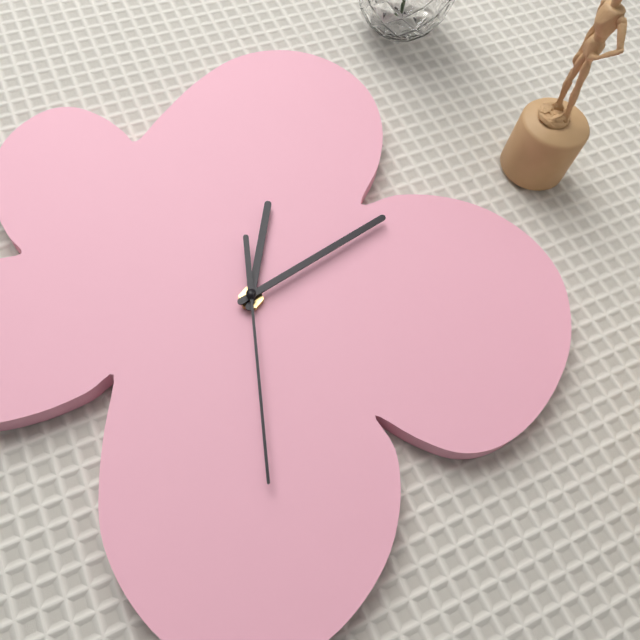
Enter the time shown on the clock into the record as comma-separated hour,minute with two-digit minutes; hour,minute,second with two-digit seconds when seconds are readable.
11,03,23
